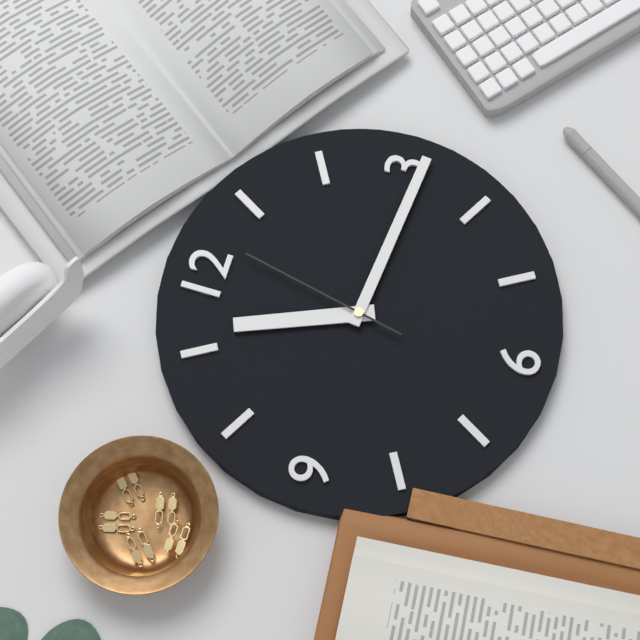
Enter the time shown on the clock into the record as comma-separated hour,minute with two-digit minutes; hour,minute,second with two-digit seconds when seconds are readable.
11,16,02
